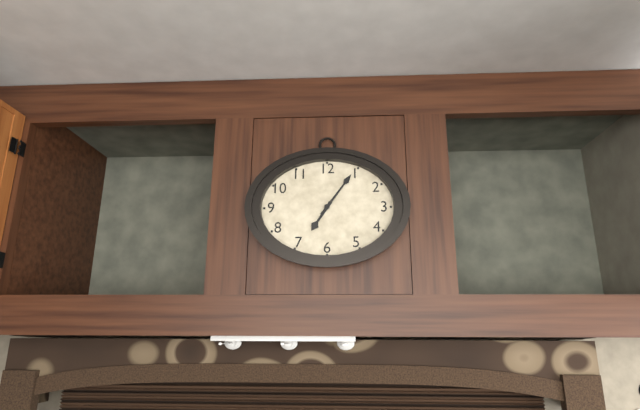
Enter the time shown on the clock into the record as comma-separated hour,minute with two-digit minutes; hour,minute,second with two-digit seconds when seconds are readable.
7,06
